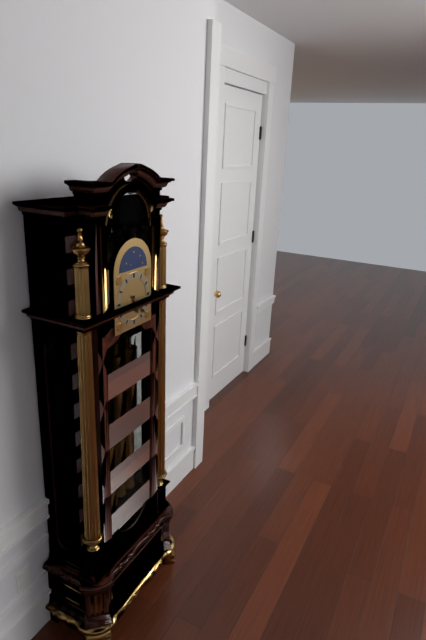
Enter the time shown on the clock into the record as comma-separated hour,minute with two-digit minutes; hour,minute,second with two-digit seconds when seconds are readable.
5,23
